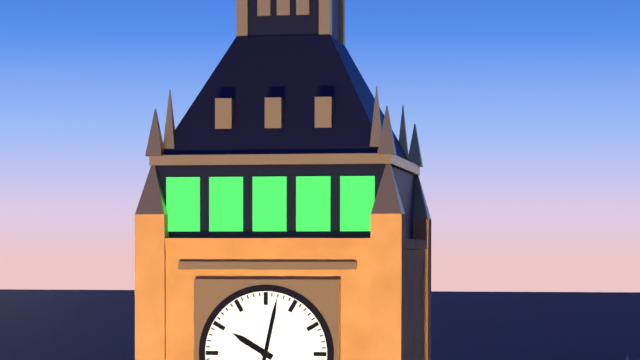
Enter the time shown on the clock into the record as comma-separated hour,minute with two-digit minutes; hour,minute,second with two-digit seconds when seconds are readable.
10,02
